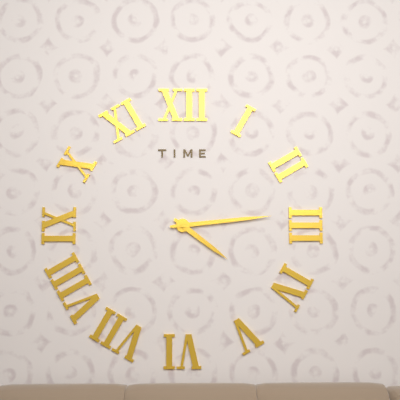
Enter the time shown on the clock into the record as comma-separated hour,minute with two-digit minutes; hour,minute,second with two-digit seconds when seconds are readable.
4,14
